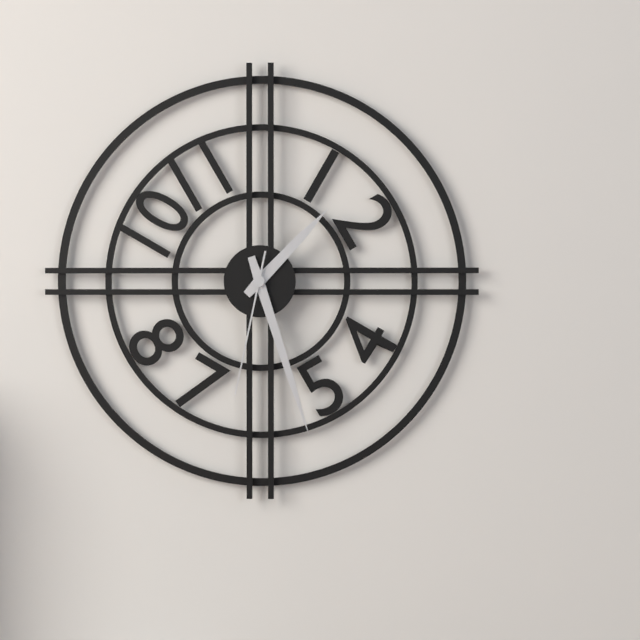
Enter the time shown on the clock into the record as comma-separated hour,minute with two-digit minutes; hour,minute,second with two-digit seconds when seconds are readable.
1,27,32
